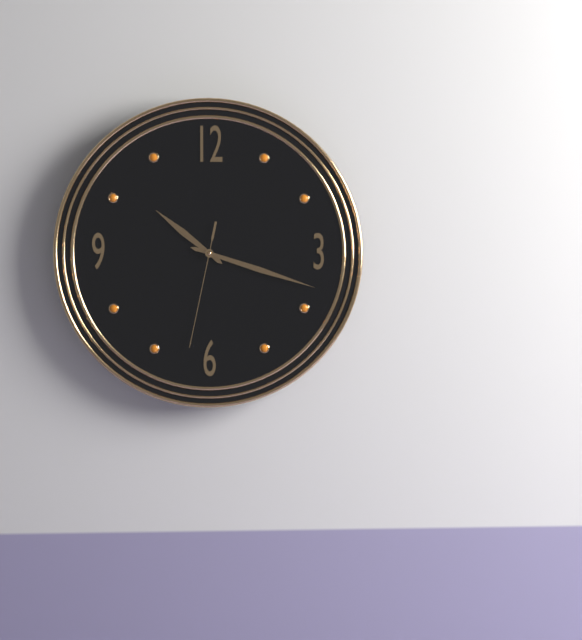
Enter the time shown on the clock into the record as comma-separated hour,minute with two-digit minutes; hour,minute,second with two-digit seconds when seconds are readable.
10,18,32
